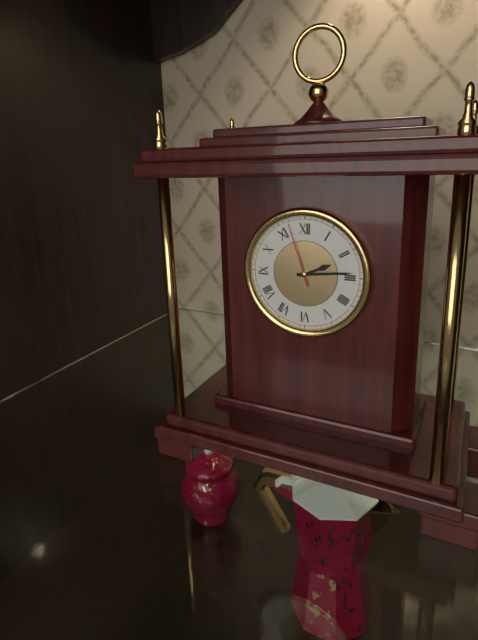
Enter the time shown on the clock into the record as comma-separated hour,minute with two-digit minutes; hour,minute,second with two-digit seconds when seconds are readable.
2,14,57
